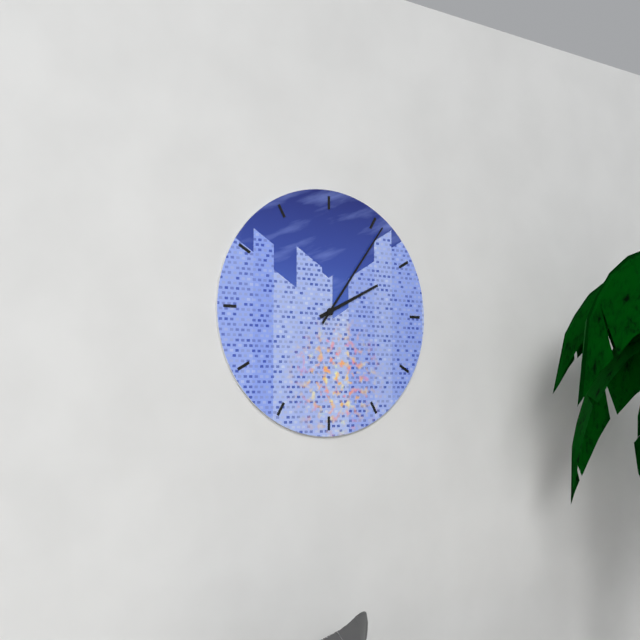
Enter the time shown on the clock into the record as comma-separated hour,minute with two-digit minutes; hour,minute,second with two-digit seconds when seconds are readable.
2,06
